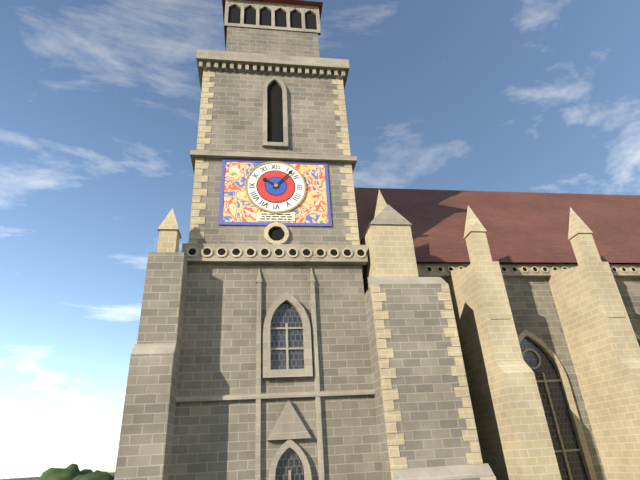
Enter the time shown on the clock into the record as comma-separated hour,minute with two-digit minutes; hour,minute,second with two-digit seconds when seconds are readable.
10,07
